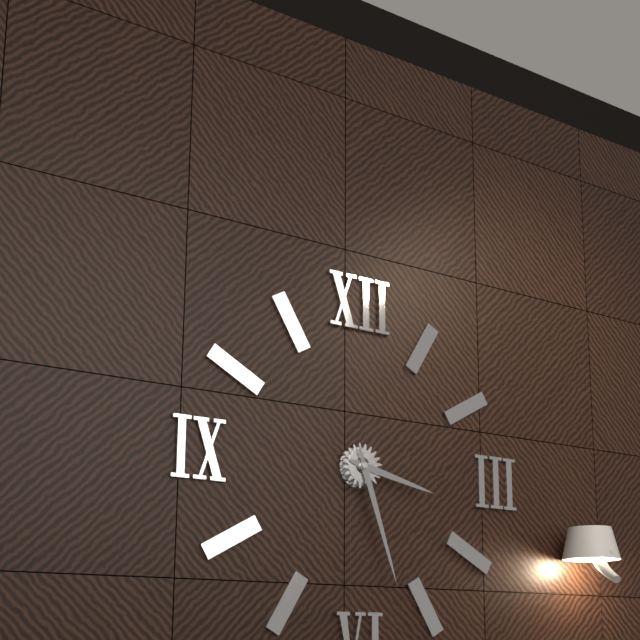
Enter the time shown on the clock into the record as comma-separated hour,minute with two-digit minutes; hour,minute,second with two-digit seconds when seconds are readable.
3,27
